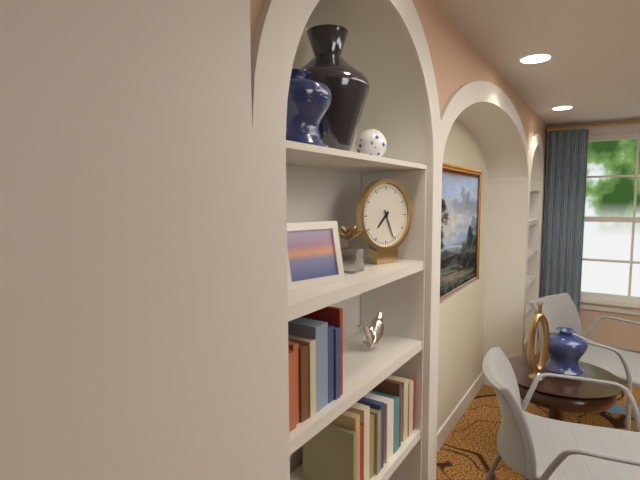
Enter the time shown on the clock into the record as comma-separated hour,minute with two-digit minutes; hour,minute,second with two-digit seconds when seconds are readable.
7,26
